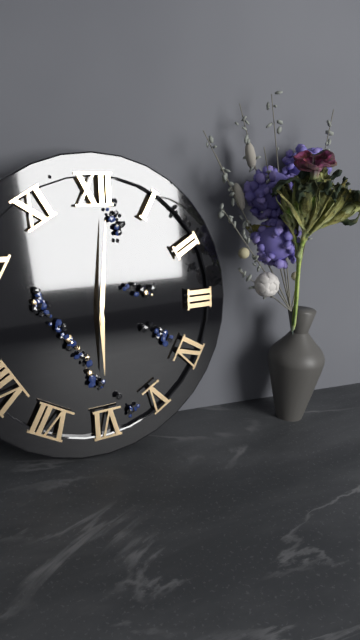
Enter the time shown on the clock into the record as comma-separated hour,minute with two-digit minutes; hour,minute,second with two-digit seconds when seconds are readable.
6,01
